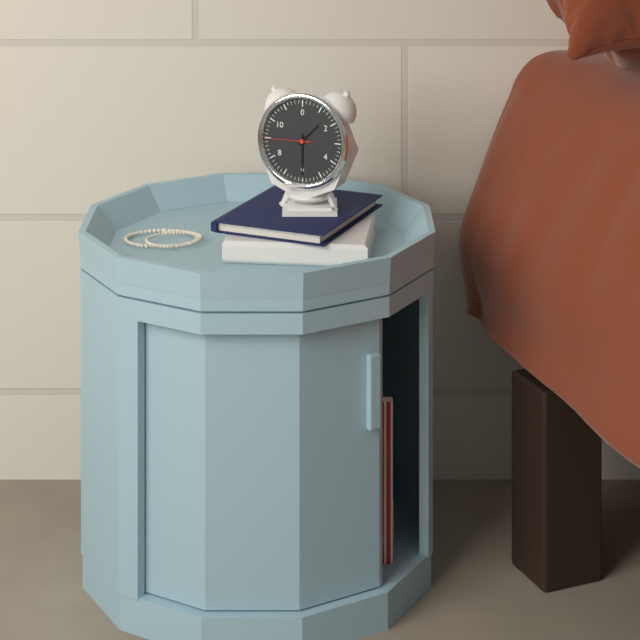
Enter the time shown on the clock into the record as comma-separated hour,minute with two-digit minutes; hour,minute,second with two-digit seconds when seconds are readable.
1,30
